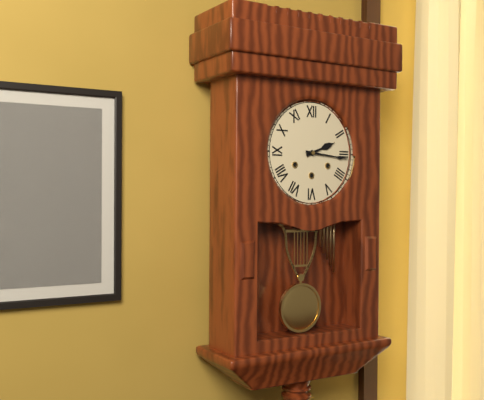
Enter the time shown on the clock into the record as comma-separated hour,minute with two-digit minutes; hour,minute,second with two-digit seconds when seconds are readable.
2,16
